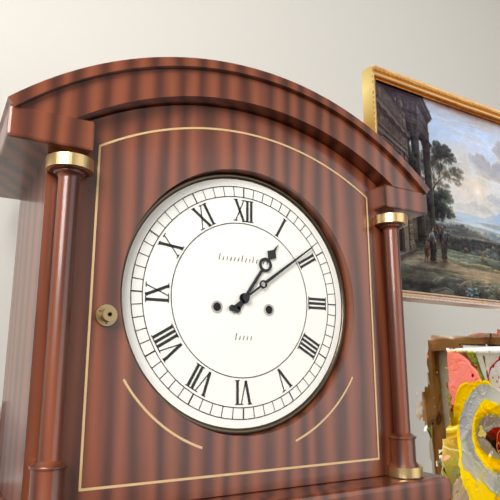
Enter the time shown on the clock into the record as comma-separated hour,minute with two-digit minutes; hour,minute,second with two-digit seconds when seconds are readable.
1,09
